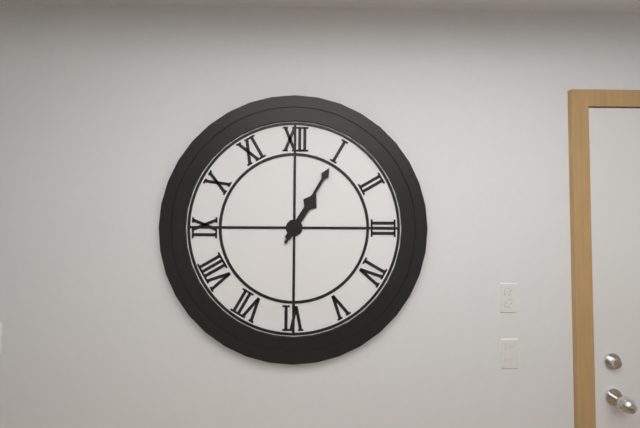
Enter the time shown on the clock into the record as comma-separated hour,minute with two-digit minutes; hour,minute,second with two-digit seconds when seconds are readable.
1,05
